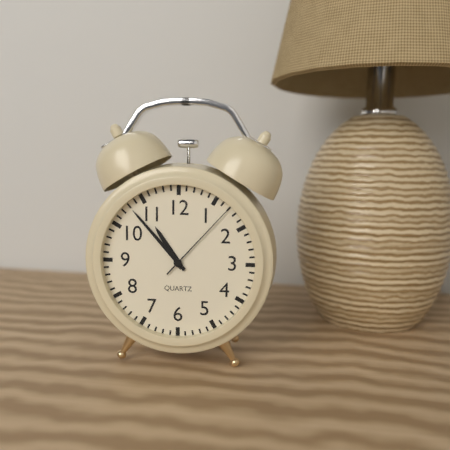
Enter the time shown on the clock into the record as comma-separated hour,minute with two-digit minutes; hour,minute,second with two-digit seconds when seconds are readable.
10,53,07
